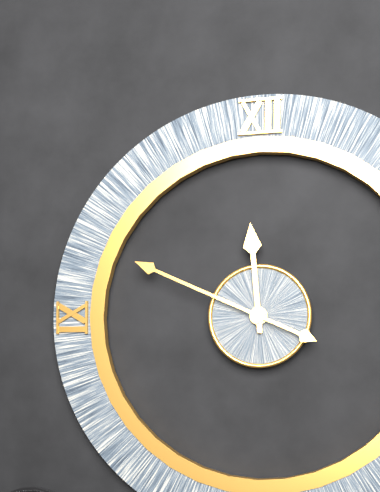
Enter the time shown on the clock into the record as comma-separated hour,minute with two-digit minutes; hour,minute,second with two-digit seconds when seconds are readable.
11,49
